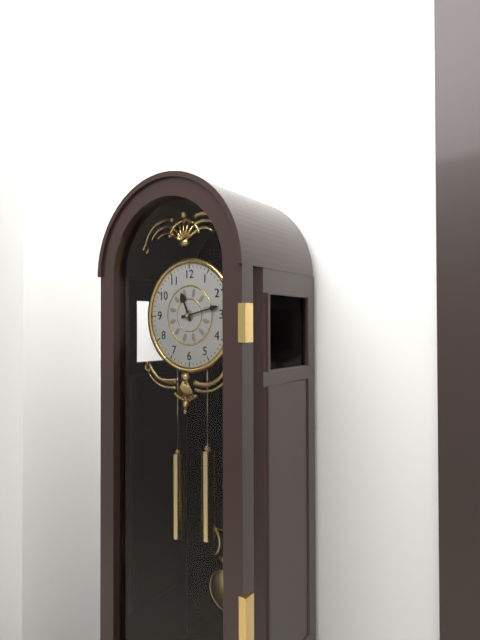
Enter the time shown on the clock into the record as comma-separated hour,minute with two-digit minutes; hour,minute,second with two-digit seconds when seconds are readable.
11,13
